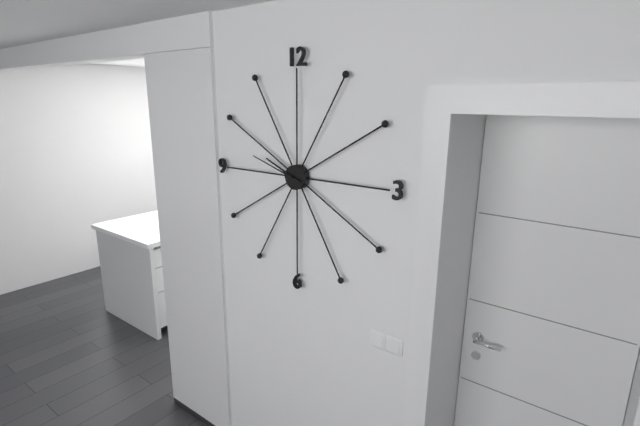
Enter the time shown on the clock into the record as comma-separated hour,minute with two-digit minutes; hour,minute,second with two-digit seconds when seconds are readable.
9,48
